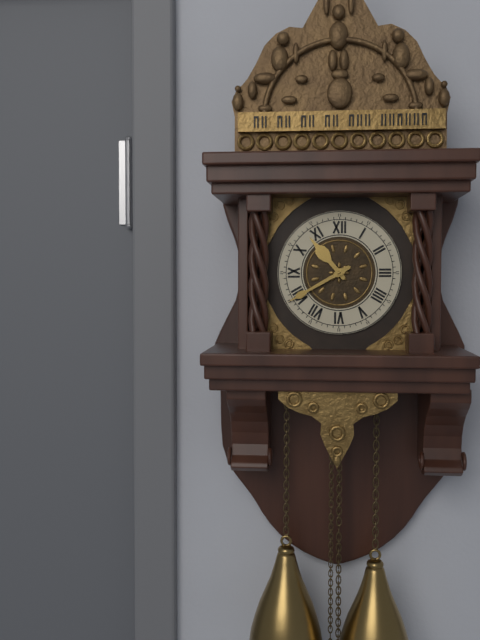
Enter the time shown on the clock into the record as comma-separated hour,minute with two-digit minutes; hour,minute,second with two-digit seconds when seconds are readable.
10,40
